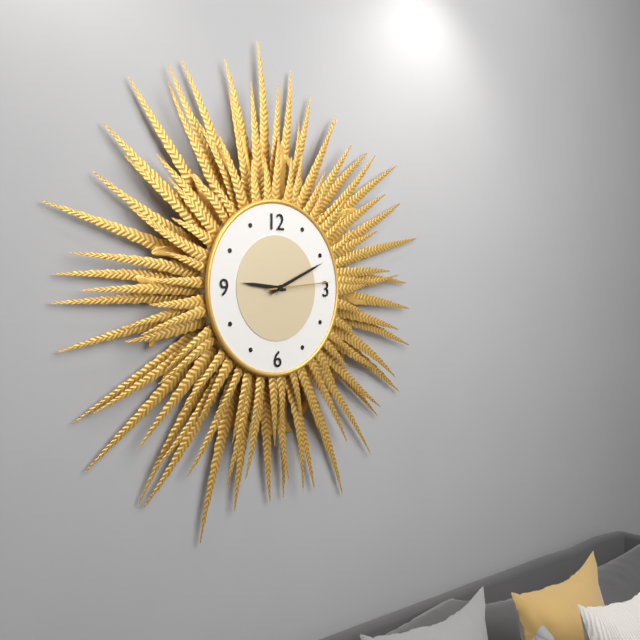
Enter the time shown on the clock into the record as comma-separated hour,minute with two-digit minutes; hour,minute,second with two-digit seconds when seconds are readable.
9,11,14
